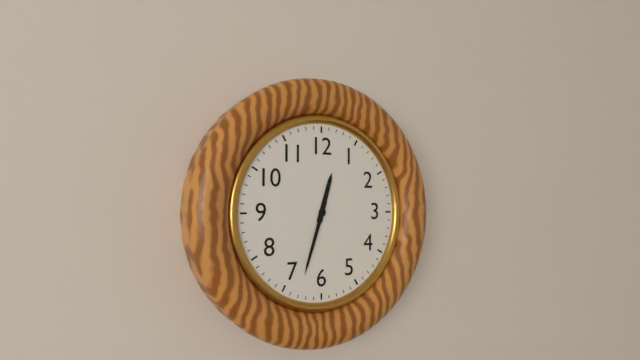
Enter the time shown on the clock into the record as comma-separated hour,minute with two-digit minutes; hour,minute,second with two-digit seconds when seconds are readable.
12,33
